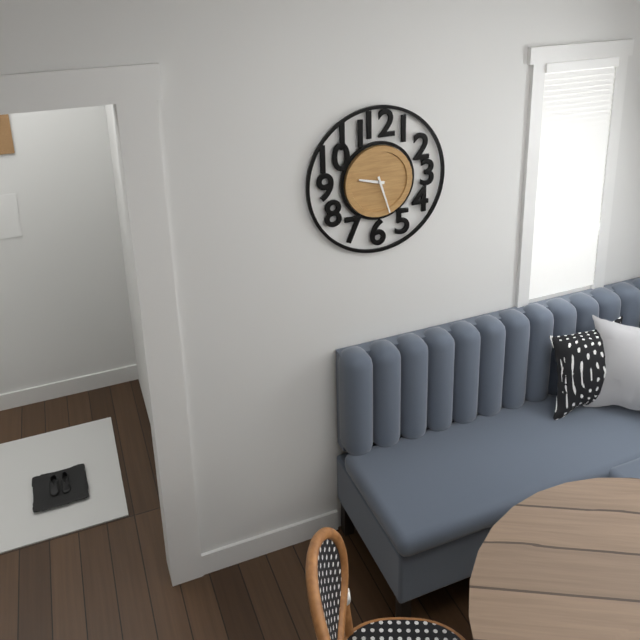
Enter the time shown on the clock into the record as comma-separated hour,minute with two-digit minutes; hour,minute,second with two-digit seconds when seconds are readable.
9,27
